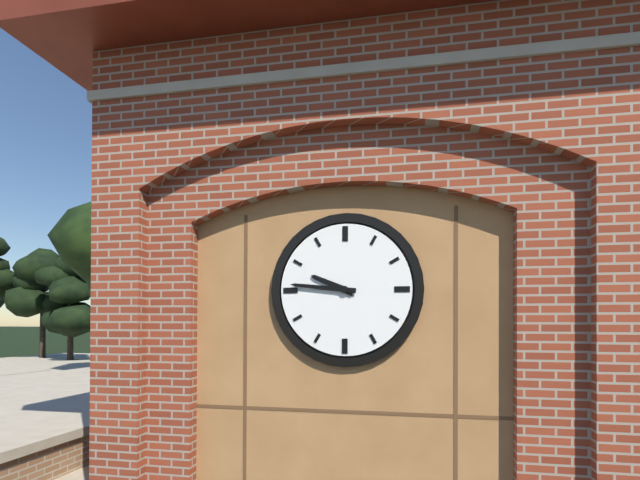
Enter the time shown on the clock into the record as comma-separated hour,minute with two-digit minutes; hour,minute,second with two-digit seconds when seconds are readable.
9,46
